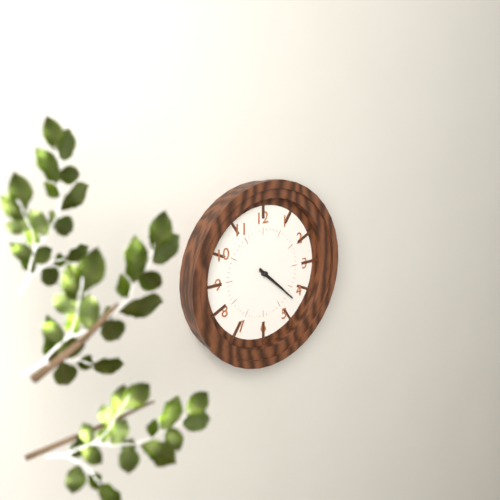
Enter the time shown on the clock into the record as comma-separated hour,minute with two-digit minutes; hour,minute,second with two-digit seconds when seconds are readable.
4,22
